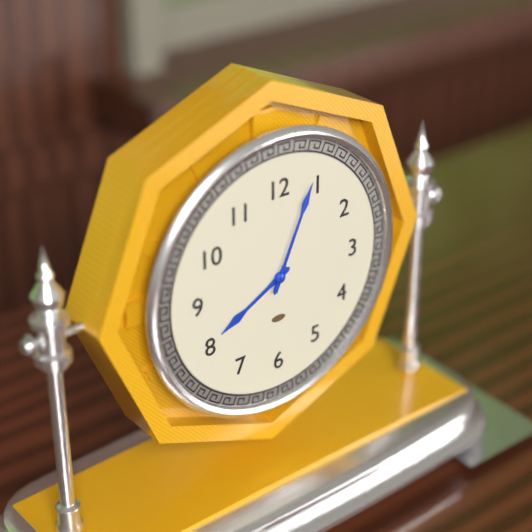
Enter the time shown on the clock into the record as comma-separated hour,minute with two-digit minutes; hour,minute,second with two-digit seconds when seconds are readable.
8,04
